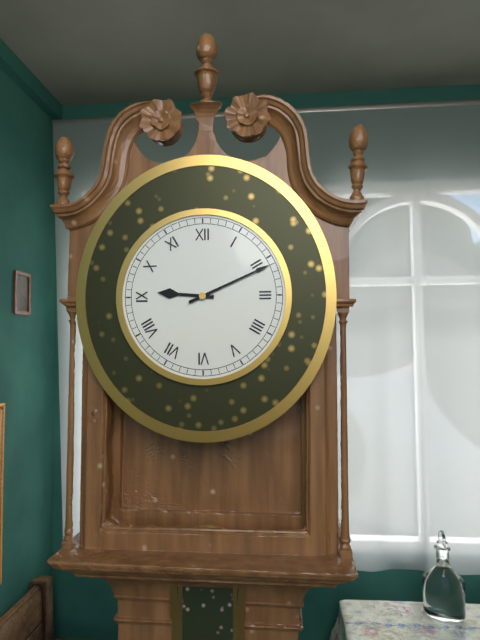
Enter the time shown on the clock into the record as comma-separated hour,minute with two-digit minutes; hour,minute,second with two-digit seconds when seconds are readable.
9,11
